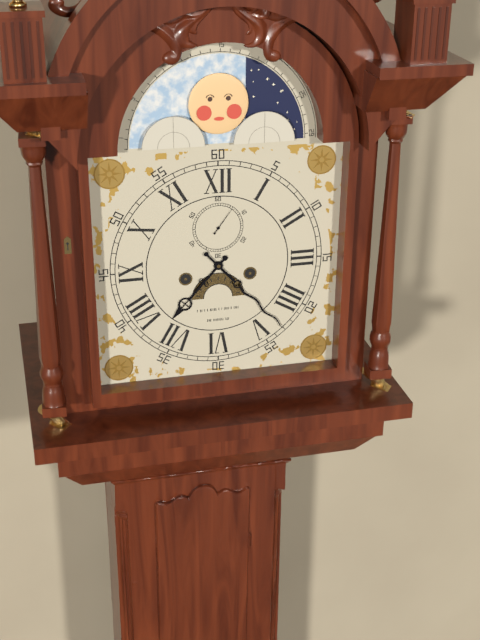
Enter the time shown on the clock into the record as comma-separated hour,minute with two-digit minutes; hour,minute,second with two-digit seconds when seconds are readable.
7,23
